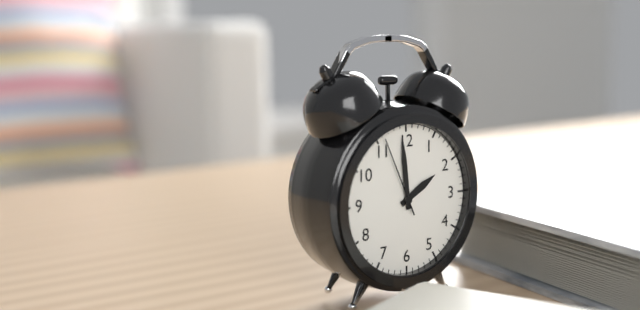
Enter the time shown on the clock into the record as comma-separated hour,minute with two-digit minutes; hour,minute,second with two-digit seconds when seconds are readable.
1,59,56
